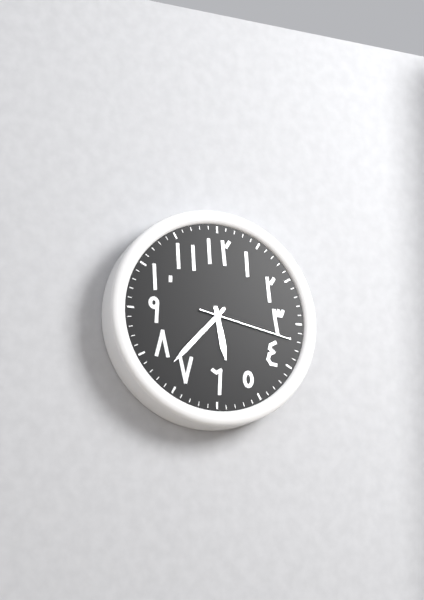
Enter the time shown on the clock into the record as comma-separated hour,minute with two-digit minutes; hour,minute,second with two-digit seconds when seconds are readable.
5,37,17
